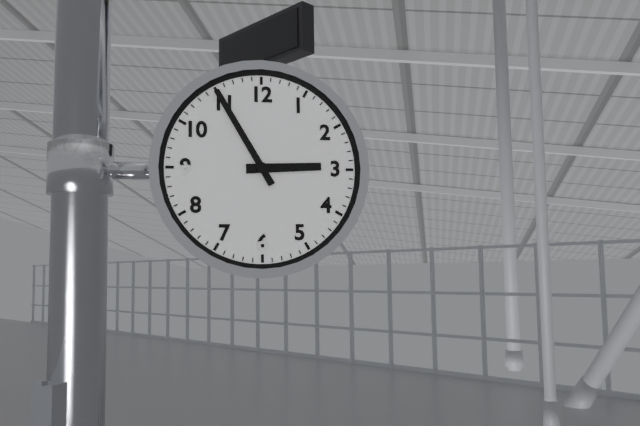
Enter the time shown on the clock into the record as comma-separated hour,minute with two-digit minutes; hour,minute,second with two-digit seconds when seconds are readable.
2,55
